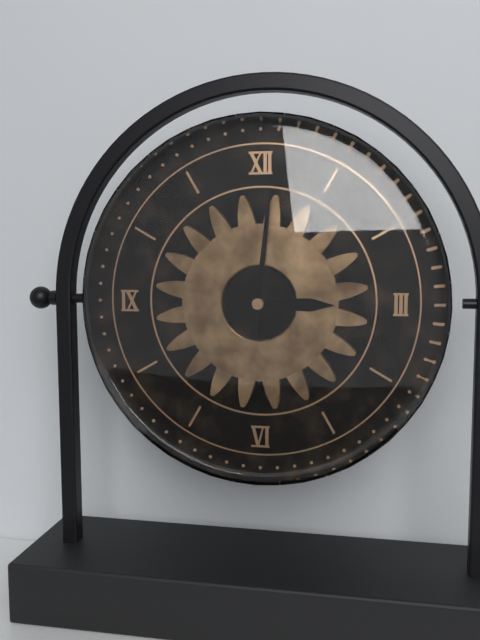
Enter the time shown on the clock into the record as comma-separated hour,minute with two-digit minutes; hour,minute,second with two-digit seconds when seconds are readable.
3,01
